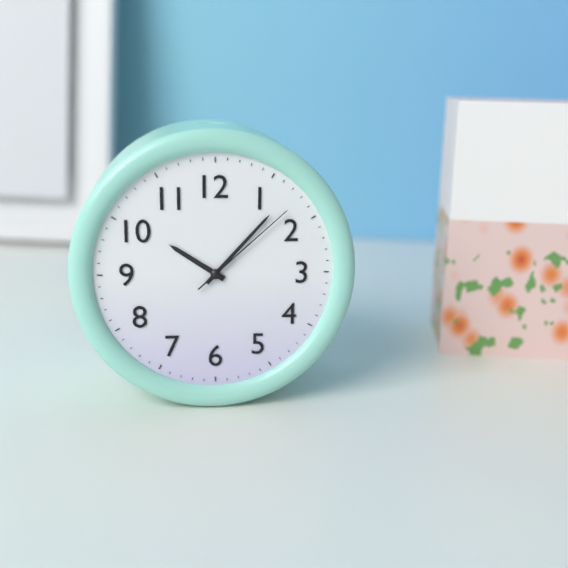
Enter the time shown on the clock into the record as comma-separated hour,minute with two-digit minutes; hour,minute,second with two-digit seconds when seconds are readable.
10,07,08
